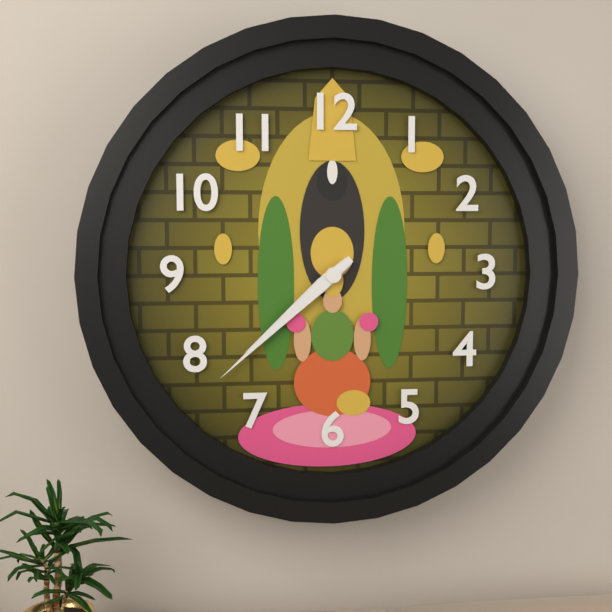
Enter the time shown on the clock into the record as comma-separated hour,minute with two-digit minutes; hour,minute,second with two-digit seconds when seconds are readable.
7,38
